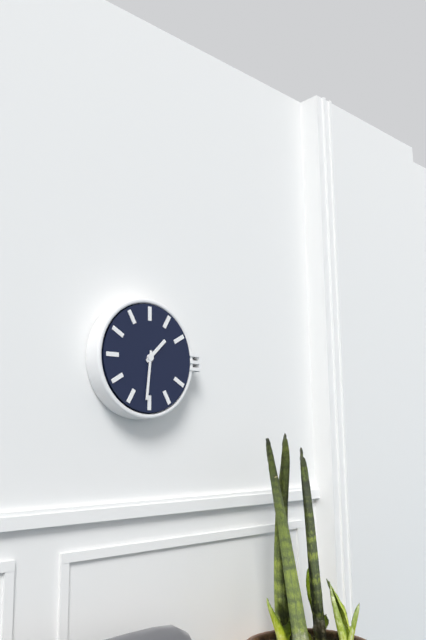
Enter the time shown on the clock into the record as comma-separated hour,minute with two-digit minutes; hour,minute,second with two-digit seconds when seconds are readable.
1,31
